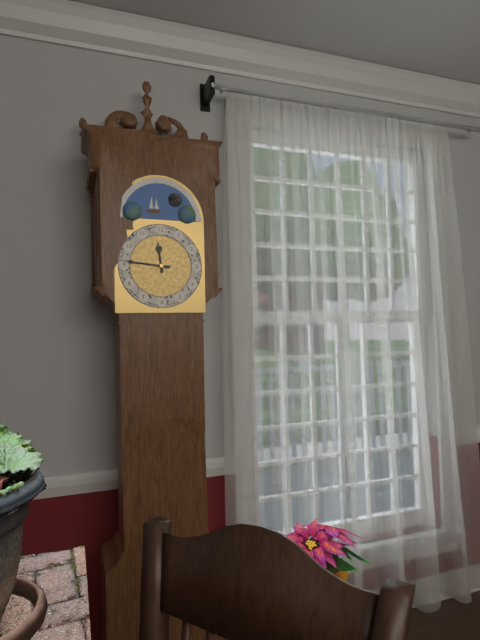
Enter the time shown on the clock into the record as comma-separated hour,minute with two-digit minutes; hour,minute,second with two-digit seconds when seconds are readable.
11,46
